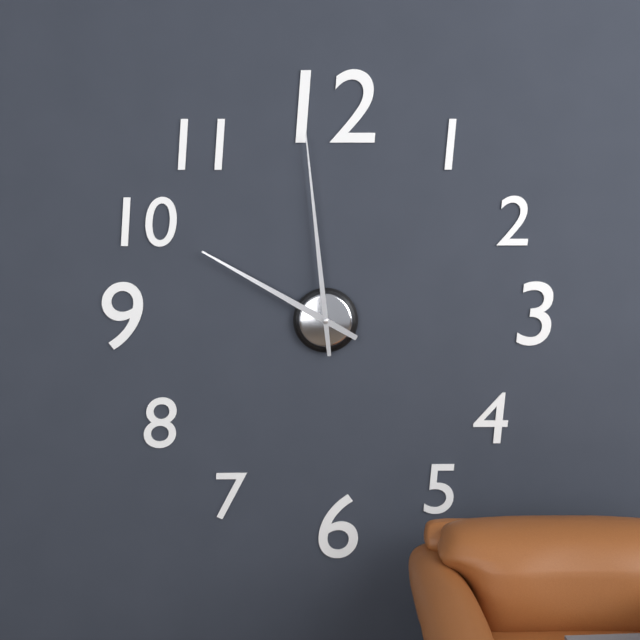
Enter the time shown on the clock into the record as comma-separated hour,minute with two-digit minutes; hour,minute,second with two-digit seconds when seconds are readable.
9,59
